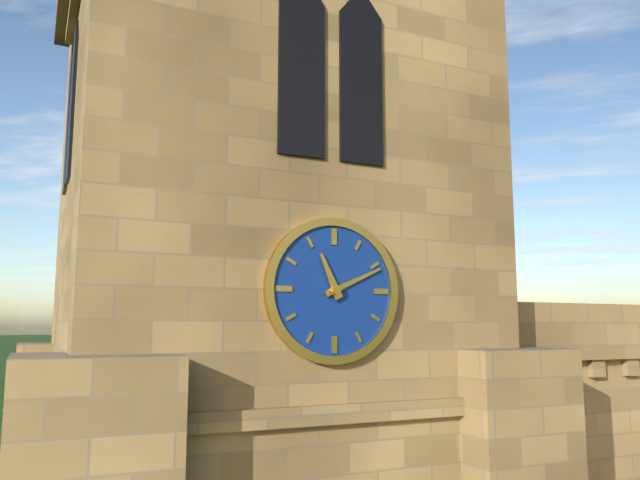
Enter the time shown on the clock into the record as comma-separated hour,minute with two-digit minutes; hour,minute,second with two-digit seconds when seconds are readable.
11,11
